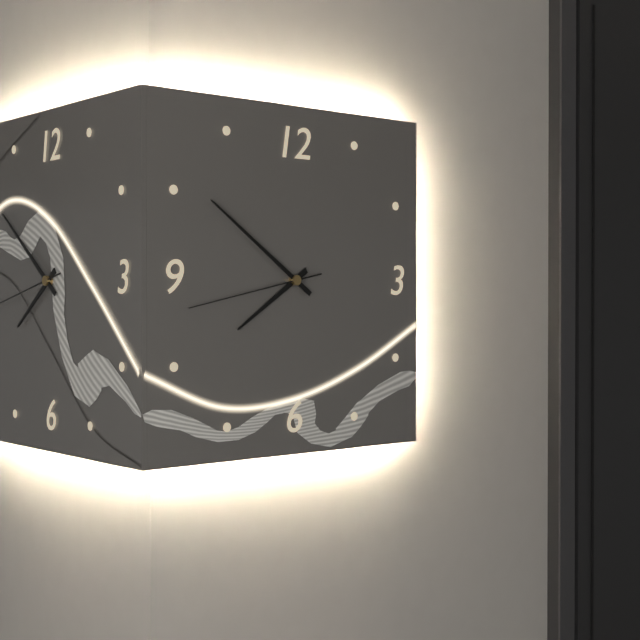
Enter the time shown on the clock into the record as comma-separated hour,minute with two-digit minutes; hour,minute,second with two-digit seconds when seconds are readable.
7,51,43
